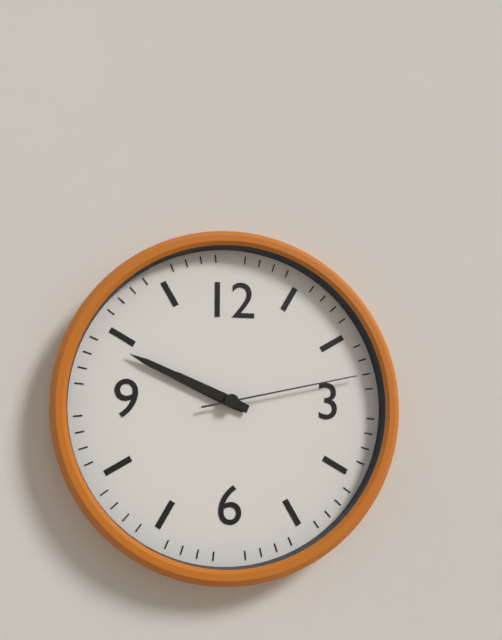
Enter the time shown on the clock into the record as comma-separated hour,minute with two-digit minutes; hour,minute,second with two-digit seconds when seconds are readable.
9,49,13
